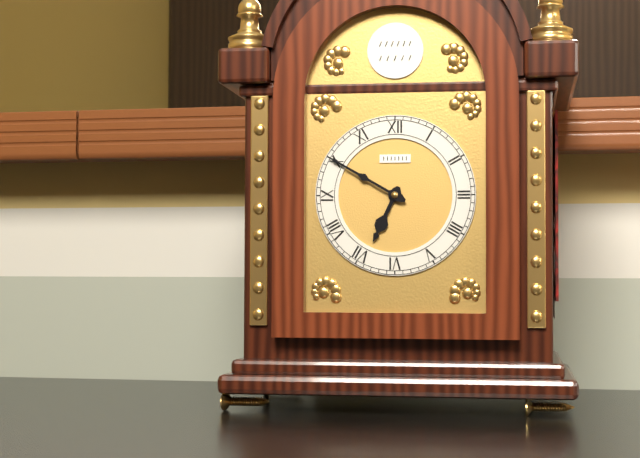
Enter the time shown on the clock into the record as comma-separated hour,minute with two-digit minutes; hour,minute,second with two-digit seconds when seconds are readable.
6,50
